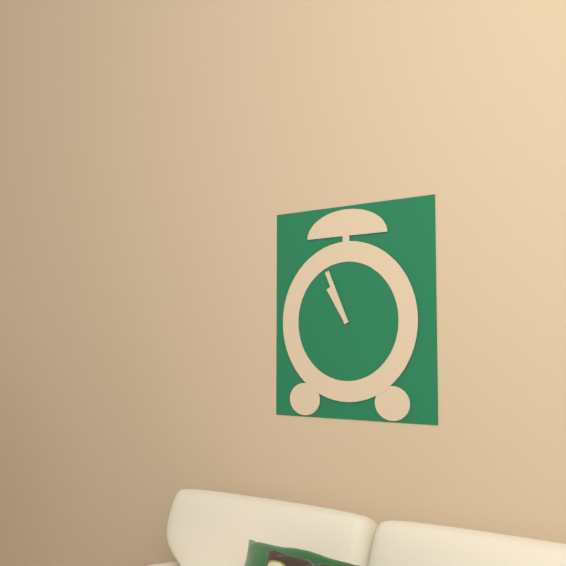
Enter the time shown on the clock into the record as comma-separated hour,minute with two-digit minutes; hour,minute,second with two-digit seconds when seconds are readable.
10,56
